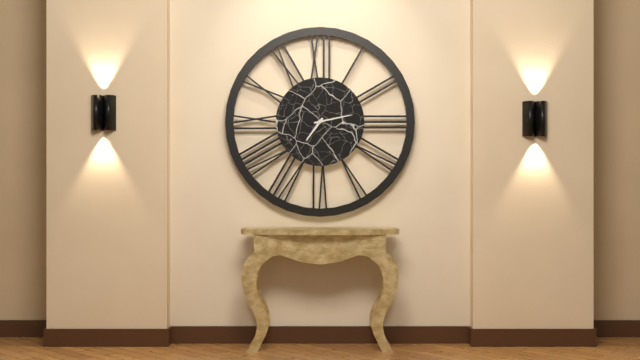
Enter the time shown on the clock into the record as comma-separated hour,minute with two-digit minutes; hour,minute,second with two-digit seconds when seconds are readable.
7,13
